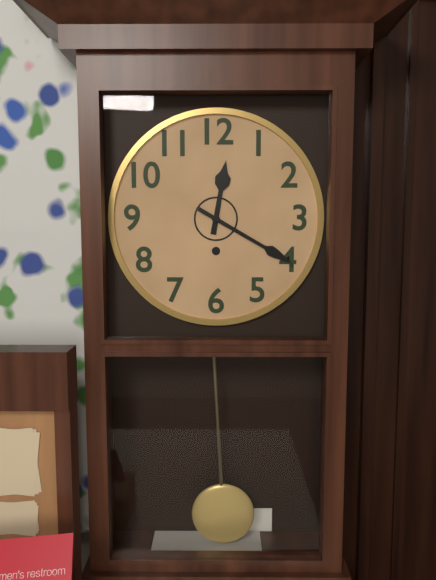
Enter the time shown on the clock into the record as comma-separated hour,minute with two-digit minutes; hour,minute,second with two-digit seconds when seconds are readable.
12,20
